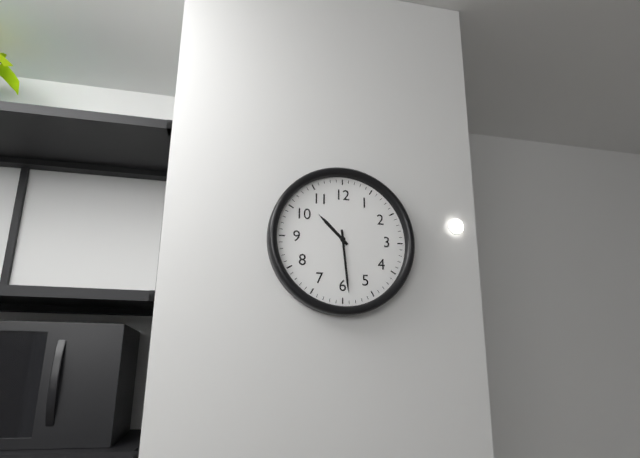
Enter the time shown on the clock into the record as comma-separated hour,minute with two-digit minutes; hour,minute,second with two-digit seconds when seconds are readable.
10,29
